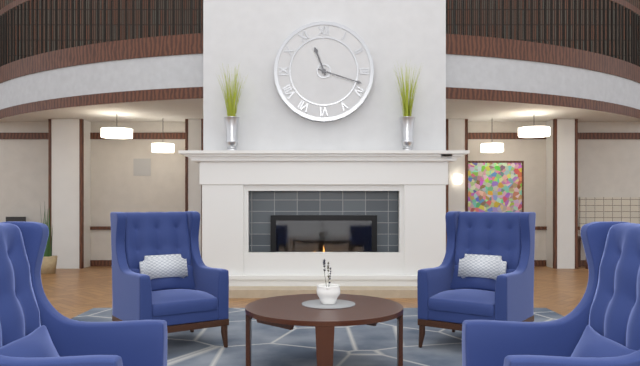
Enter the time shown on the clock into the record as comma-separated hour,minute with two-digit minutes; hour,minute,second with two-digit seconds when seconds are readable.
11,18
